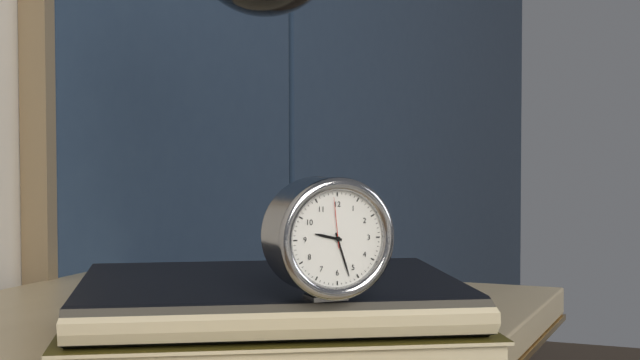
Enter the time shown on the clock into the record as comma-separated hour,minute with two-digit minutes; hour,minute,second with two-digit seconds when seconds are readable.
9,27,59
